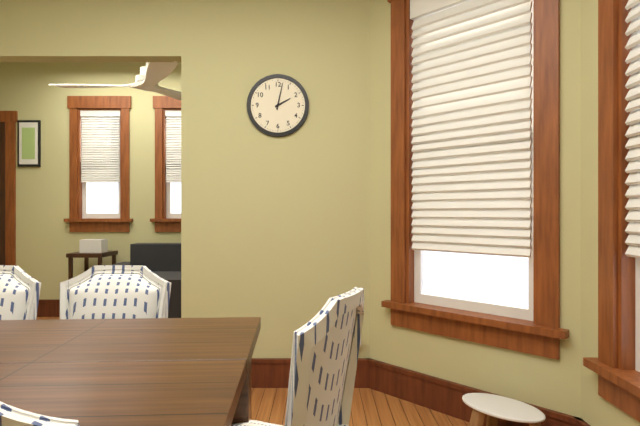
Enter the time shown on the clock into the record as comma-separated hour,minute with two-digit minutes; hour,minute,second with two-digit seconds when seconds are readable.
2,02
